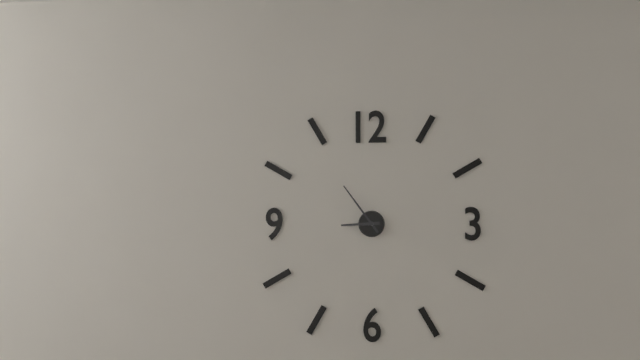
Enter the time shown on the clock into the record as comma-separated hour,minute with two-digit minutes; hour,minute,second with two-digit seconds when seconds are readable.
8,54
